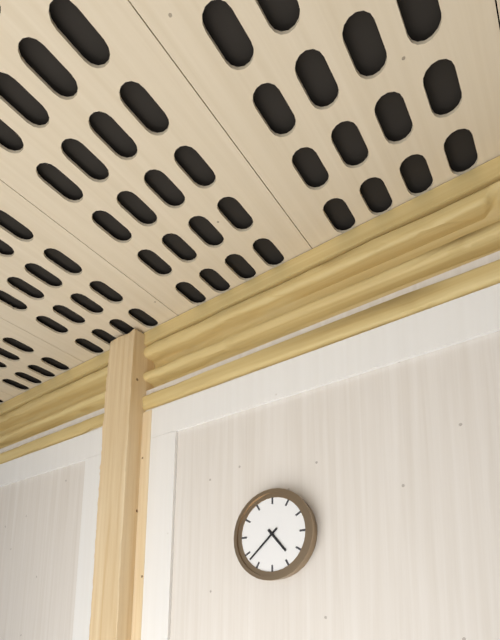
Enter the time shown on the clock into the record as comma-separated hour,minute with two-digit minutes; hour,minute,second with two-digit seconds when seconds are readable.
4,38
